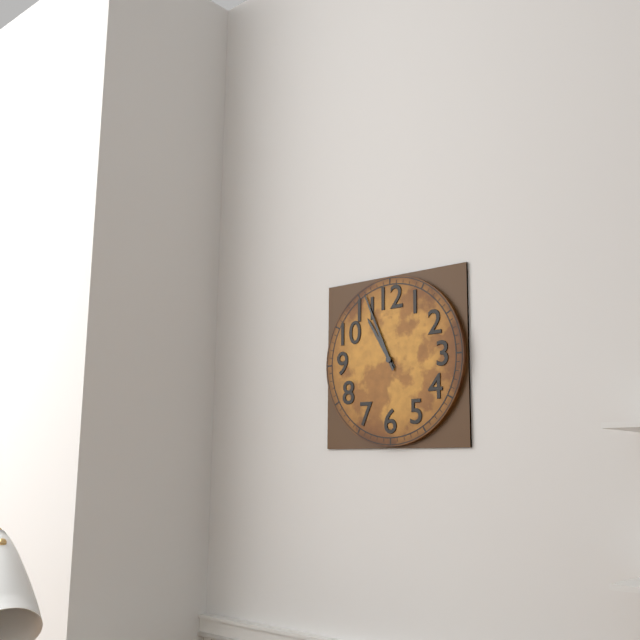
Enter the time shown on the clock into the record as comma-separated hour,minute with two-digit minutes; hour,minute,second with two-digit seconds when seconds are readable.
10,56
